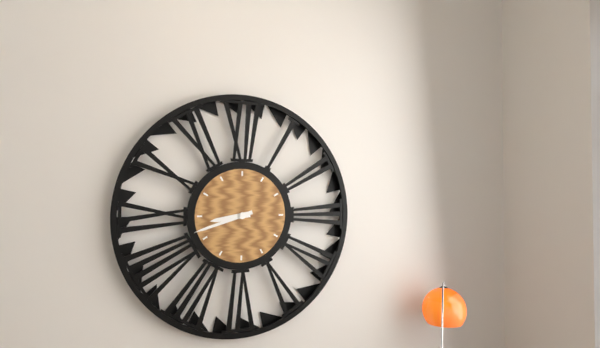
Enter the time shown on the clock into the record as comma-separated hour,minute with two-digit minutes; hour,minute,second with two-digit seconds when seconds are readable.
8,42
